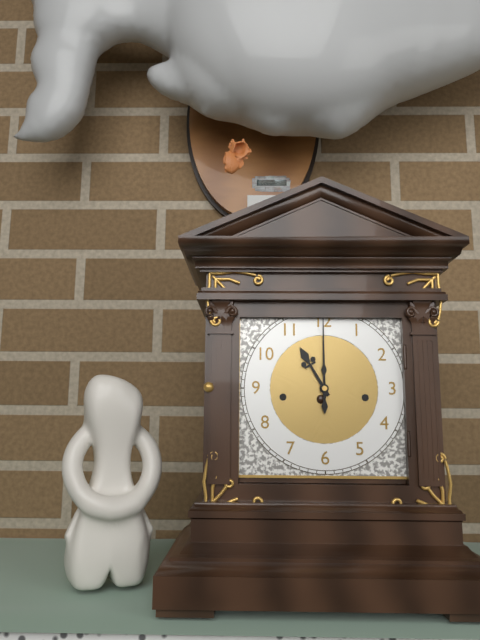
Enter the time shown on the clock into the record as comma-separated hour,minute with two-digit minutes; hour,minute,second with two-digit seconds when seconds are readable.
11,00
